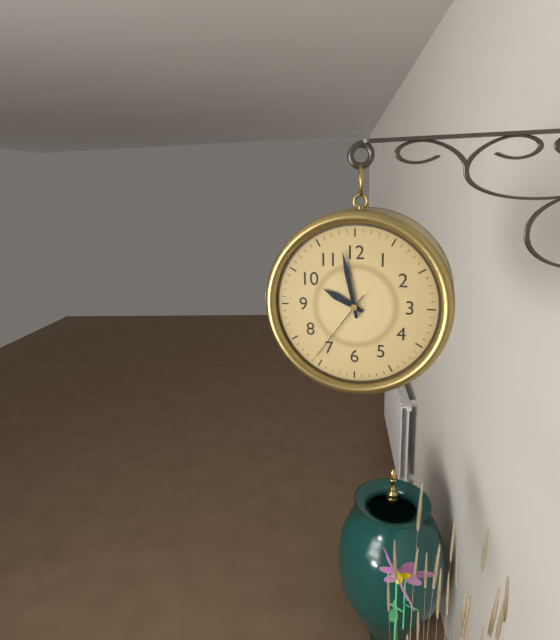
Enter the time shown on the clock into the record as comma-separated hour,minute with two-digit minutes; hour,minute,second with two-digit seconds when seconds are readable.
9,58,36
